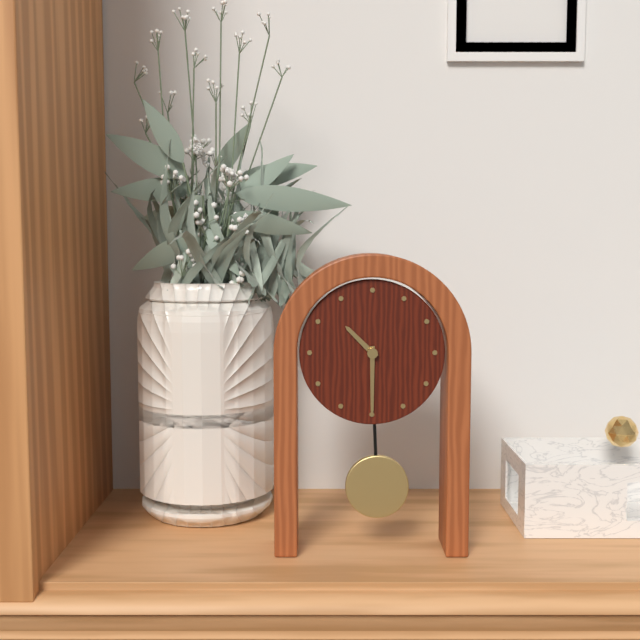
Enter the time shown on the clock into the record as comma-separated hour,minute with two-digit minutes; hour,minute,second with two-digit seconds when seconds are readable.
10,30
